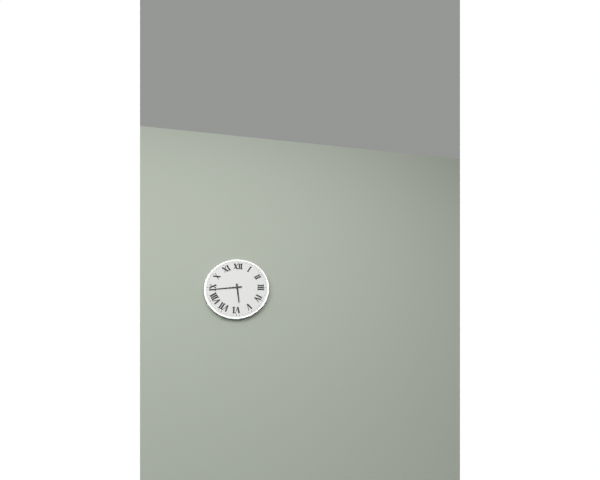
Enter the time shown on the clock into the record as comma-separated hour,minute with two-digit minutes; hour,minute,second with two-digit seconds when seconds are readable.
5,44
